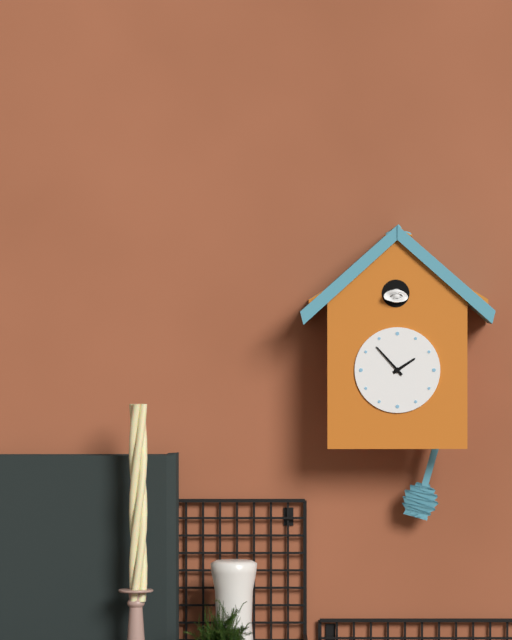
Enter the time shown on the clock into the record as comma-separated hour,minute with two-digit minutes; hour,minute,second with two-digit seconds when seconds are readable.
1,53
